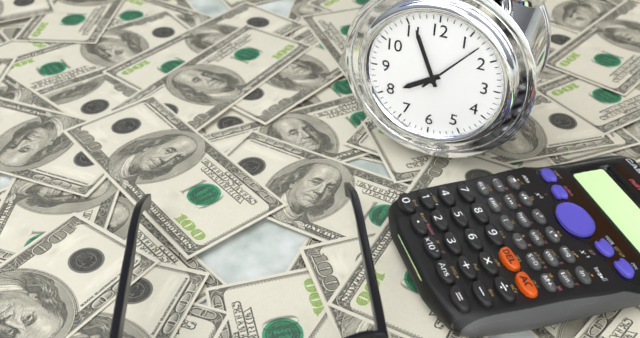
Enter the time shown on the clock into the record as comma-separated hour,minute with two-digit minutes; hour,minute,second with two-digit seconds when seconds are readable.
7,56,07
